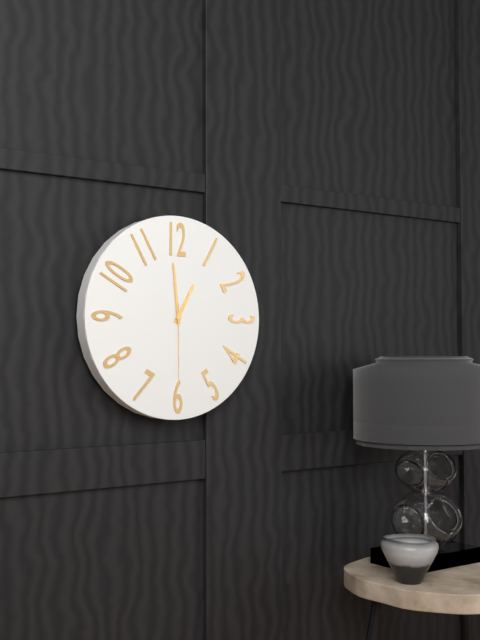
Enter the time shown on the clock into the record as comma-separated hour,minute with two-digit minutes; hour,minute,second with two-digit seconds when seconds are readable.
12,59,30
